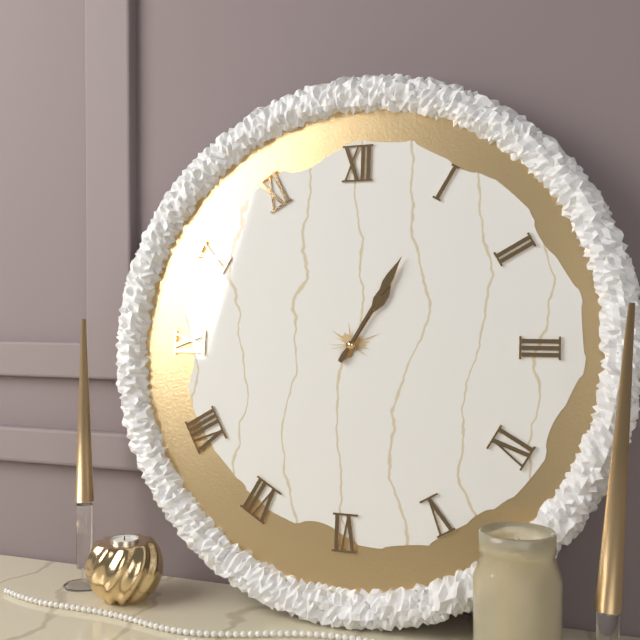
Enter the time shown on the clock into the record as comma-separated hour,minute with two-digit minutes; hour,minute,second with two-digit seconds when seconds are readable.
1,05
